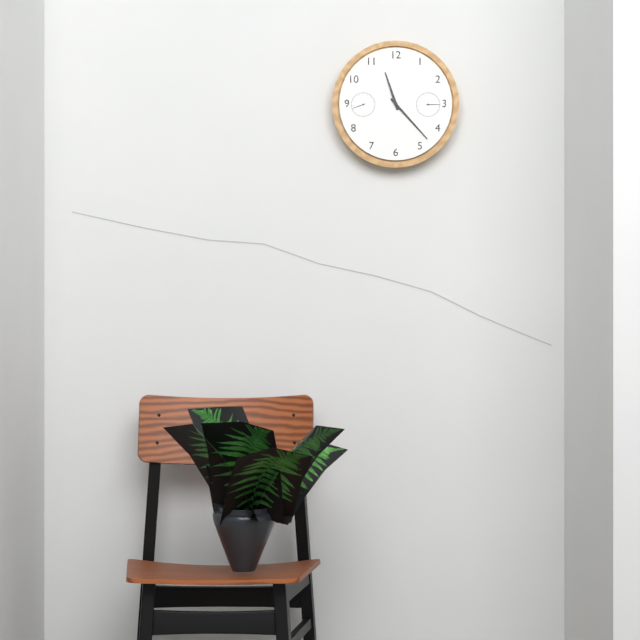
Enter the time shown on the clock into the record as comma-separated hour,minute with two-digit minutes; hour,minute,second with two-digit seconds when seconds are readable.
11,23
